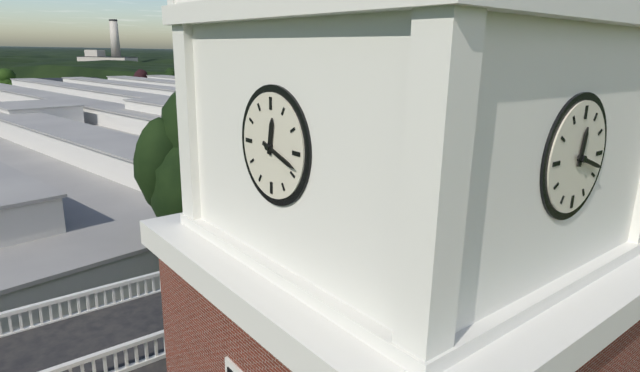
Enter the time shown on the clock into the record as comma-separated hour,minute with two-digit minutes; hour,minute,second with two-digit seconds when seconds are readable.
12,18
